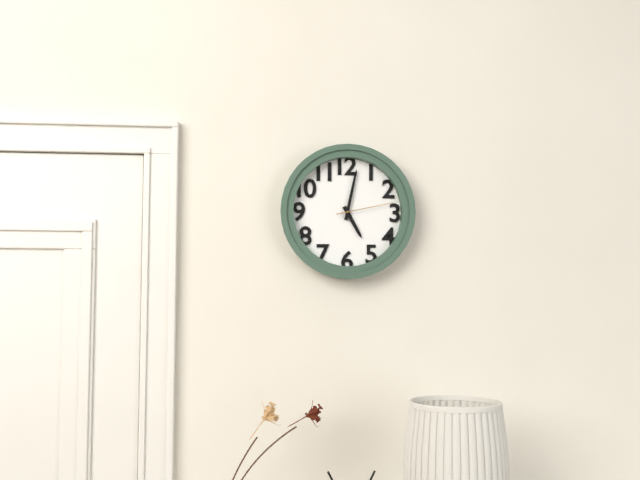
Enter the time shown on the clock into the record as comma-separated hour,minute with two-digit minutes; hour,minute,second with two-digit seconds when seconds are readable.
5,02,13
